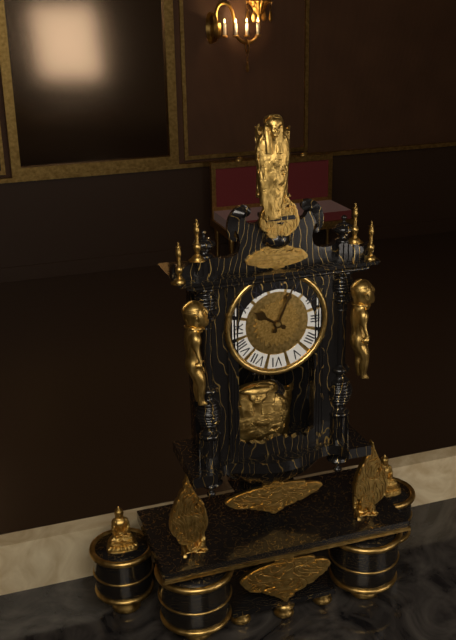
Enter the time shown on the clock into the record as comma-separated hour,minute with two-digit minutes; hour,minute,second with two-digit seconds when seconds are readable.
10,04
